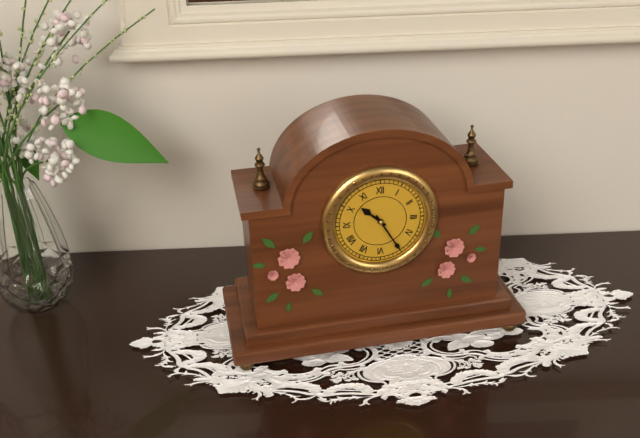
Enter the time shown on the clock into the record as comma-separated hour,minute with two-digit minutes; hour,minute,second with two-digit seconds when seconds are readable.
10,25
